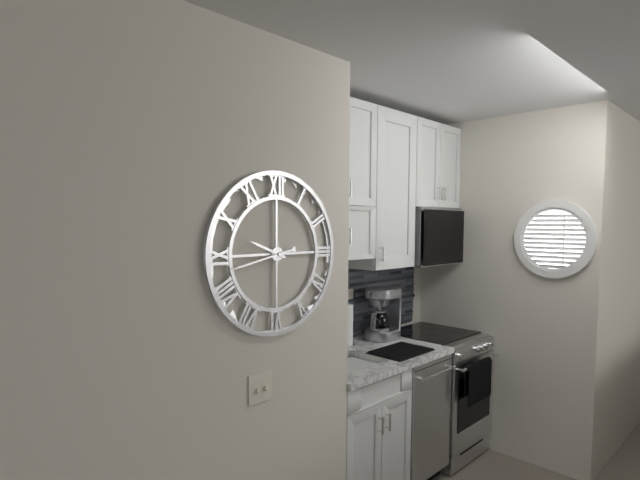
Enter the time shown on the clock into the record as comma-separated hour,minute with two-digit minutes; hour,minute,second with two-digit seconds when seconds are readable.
9,43
